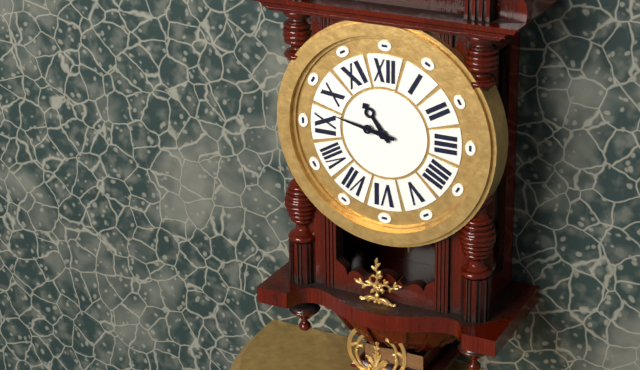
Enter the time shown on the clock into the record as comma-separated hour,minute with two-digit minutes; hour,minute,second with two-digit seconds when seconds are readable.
10,47
